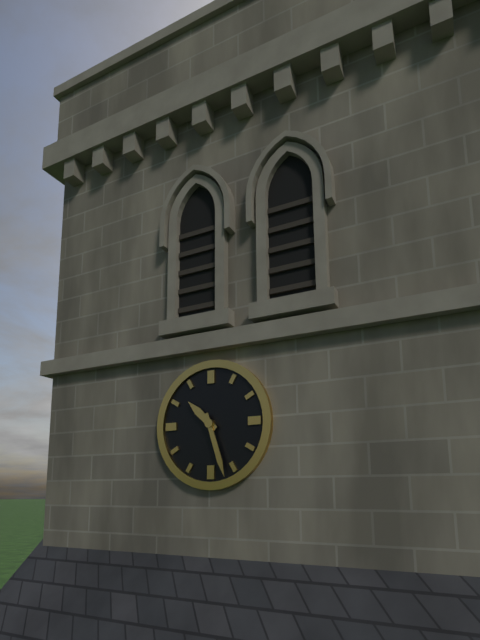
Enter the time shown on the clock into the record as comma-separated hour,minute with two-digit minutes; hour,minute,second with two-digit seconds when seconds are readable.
10,27
